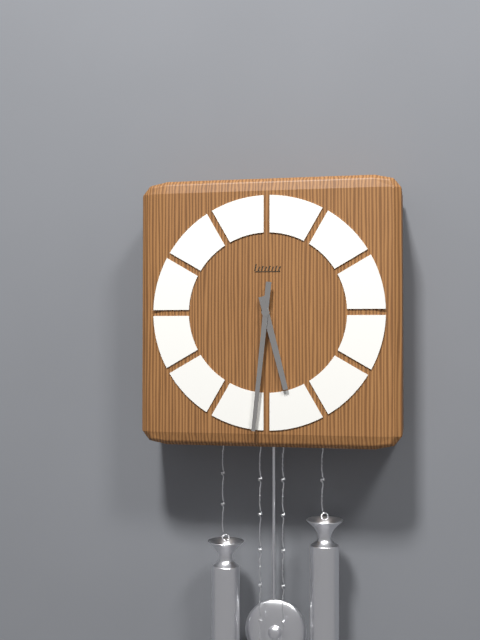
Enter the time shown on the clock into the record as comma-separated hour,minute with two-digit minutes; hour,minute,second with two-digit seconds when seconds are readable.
5,31
